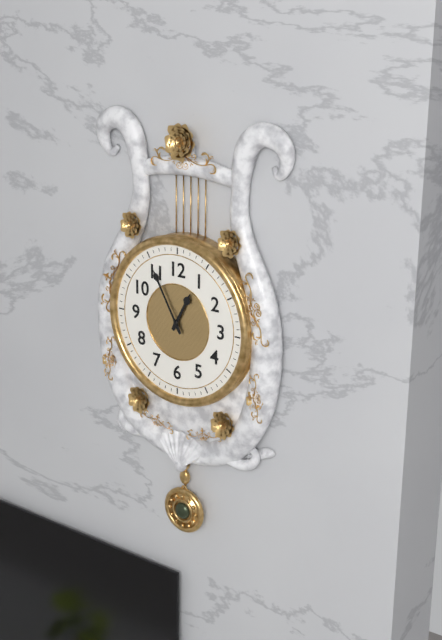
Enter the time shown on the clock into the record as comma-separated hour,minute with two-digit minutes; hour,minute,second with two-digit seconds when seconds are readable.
12,55
